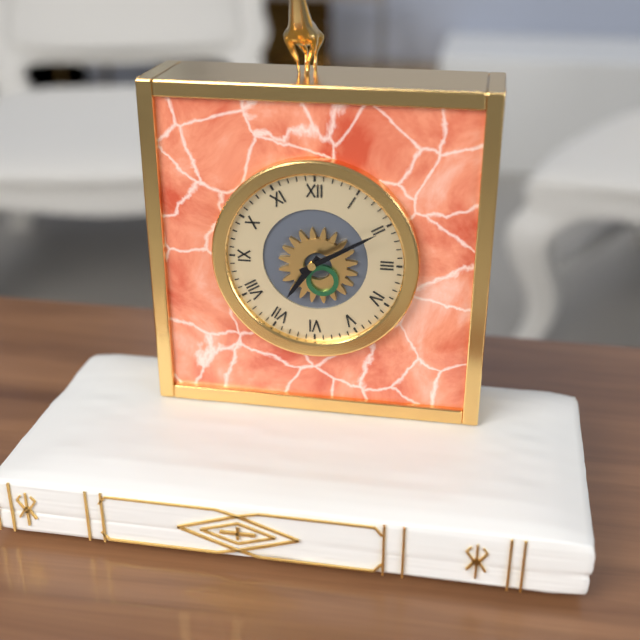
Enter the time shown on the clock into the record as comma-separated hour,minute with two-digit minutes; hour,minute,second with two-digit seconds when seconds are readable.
7,10
